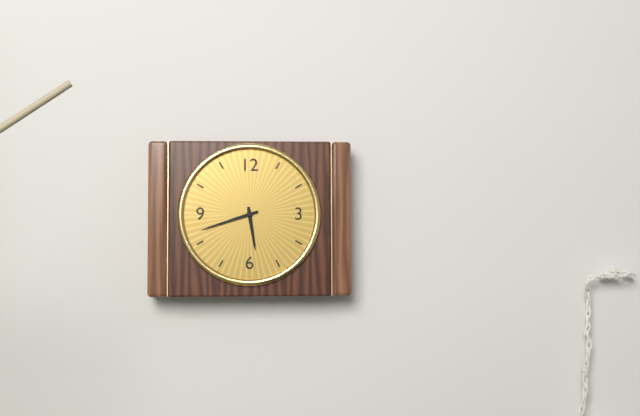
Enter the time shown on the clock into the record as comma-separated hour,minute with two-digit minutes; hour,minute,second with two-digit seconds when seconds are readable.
5,42
